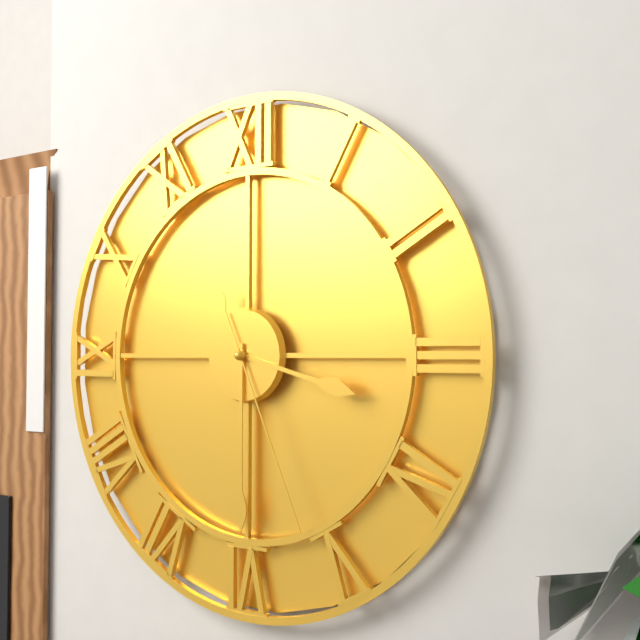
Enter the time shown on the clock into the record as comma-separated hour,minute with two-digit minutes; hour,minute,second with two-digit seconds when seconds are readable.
3,30,26
